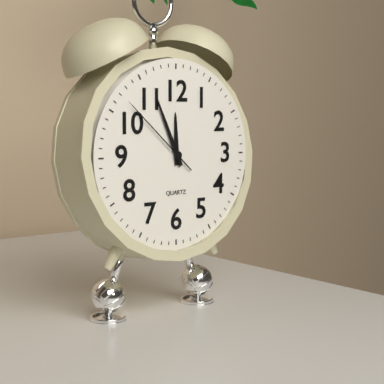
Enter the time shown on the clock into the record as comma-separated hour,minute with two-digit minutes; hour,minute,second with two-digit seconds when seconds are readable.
11,56,52
